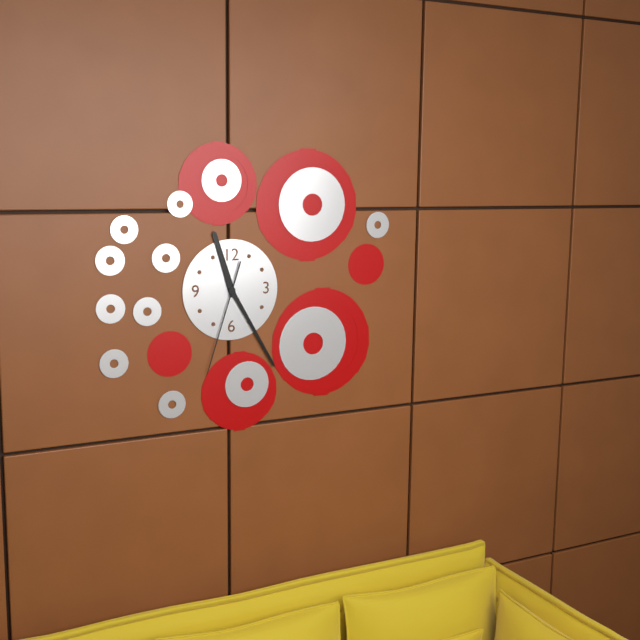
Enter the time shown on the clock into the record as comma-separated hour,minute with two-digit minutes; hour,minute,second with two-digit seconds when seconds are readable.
11,25,33
